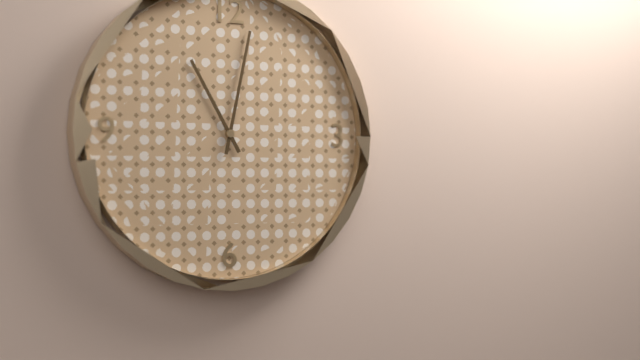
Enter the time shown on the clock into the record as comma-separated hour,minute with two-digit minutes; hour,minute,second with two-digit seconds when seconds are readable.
11,02
